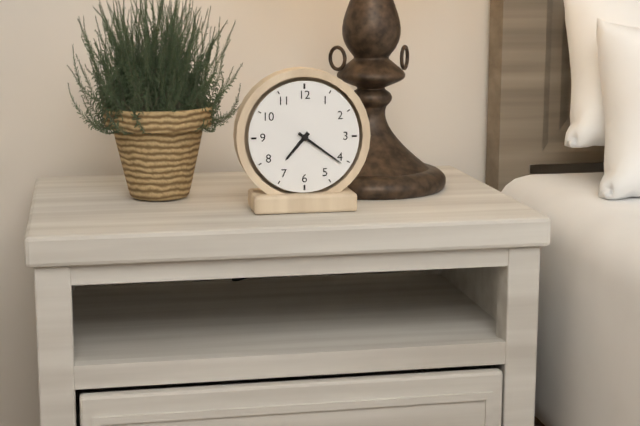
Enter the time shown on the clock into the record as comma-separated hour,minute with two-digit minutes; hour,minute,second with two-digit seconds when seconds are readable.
7,21
